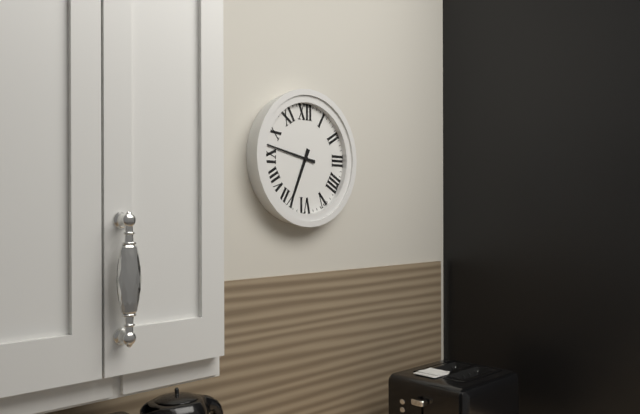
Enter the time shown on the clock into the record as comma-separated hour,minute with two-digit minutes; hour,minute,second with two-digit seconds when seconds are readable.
6,47
